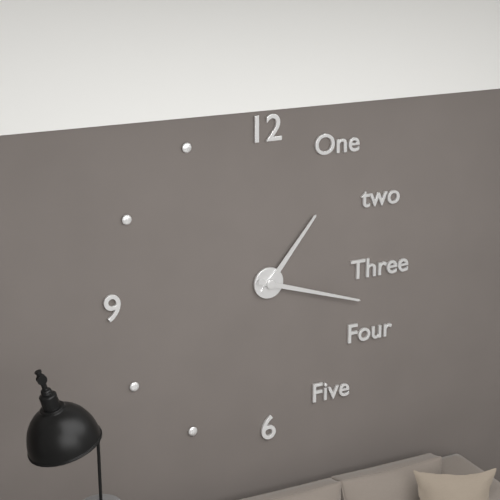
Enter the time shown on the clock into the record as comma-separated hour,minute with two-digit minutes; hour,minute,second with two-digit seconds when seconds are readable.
1,18
